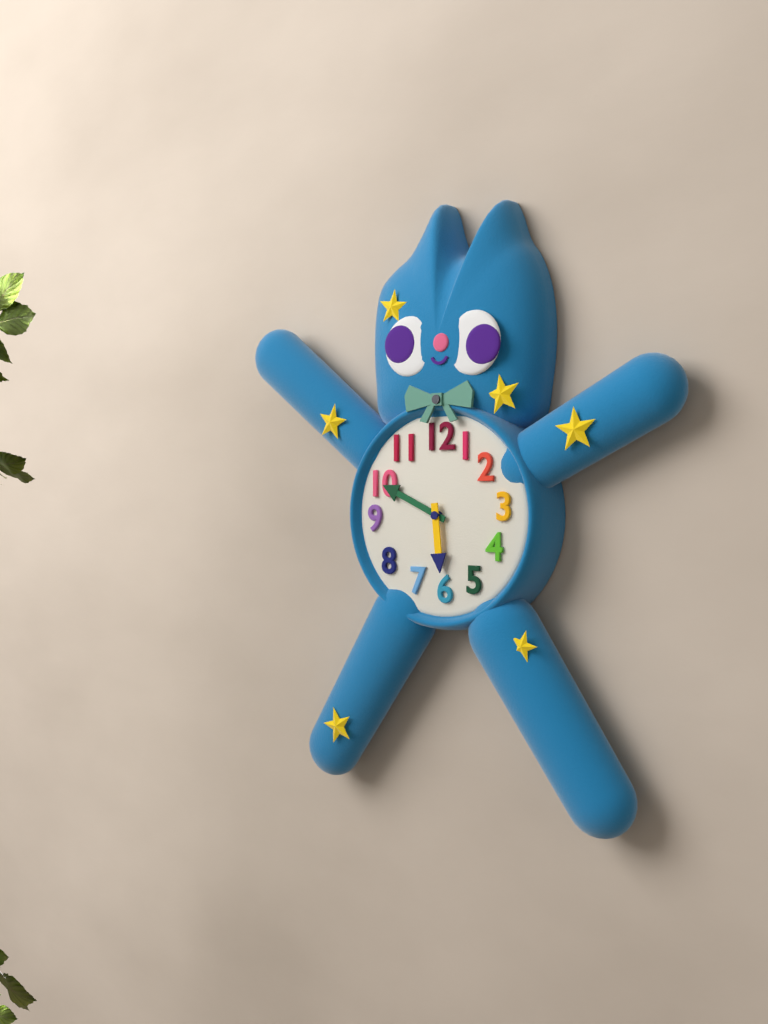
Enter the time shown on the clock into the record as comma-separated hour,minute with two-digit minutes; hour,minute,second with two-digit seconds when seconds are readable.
5,49
